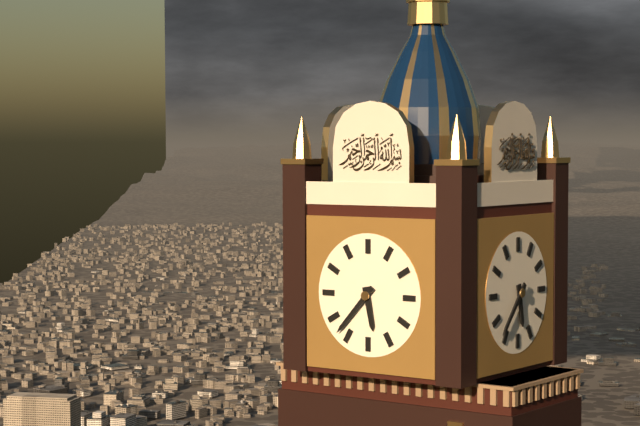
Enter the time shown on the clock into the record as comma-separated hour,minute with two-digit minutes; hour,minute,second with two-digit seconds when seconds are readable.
5,37
